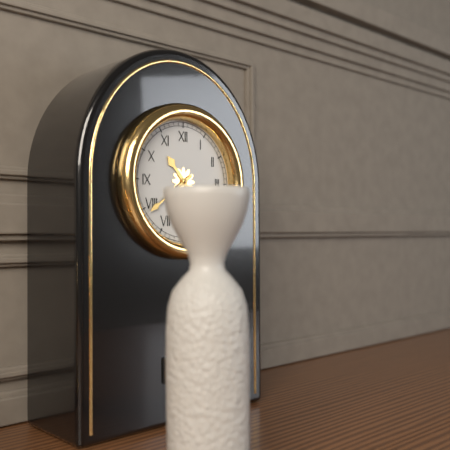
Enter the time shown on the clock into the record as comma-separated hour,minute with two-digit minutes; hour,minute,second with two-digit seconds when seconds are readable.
10,39
